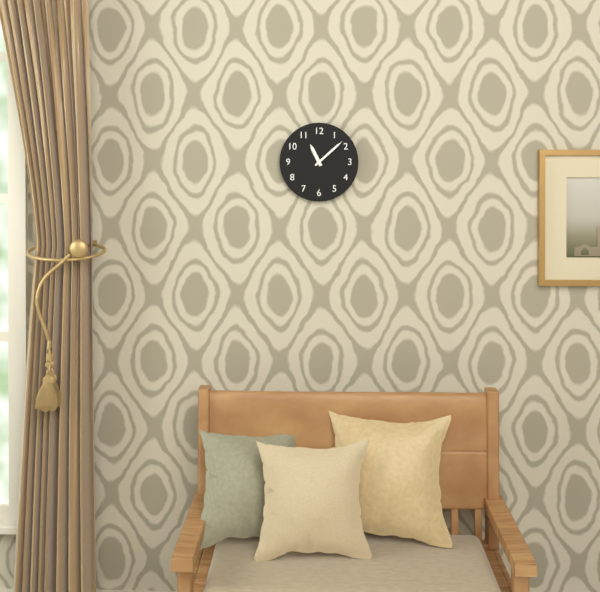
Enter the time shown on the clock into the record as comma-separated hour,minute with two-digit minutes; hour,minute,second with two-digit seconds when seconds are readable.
11,08
